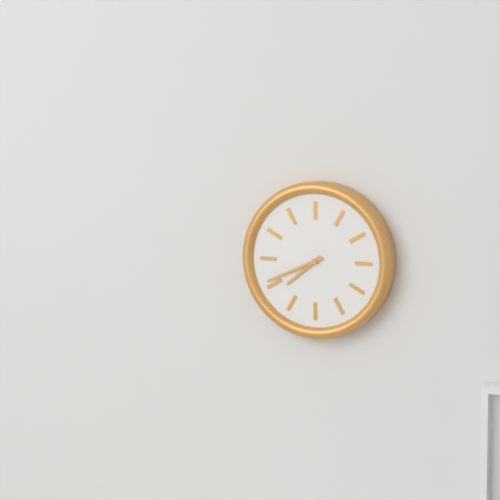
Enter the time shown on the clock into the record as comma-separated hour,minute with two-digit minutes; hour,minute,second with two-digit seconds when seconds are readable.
7,41
